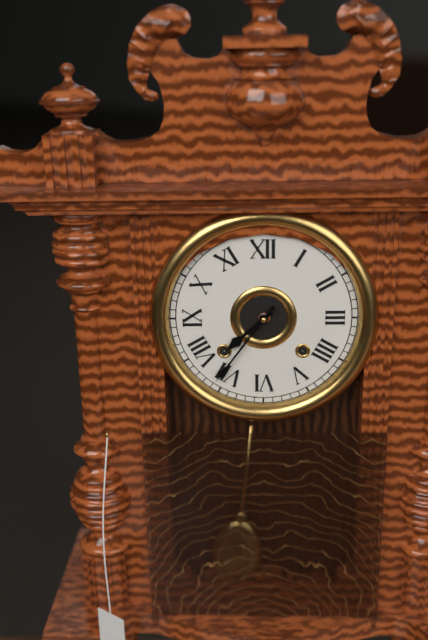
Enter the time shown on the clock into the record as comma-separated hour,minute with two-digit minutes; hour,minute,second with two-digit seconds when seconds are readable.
7,36
